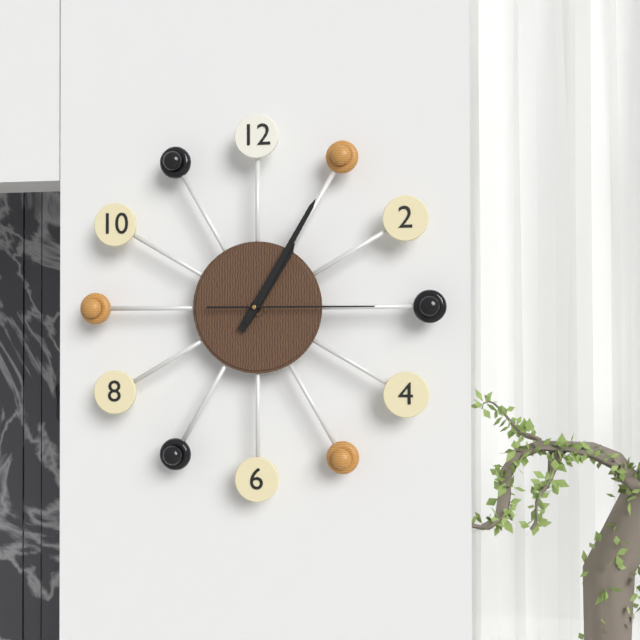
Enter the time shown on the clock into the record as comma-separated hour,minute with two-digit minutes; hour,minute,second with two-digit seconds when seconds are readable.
1,05,15
